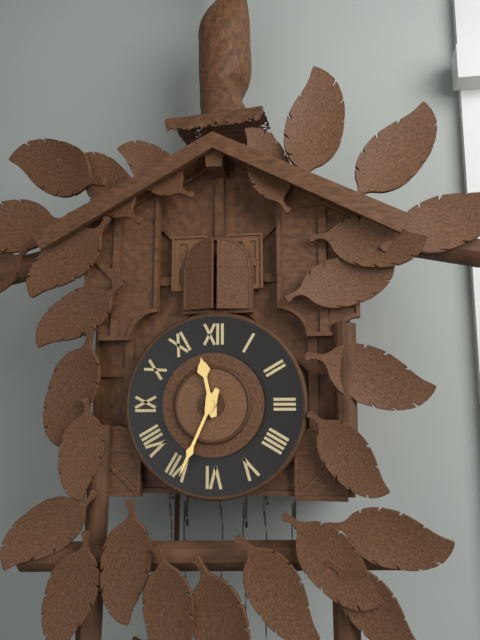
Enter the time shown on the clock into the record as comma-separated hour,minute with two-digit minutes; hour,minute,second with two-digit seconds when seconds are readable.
11,34
